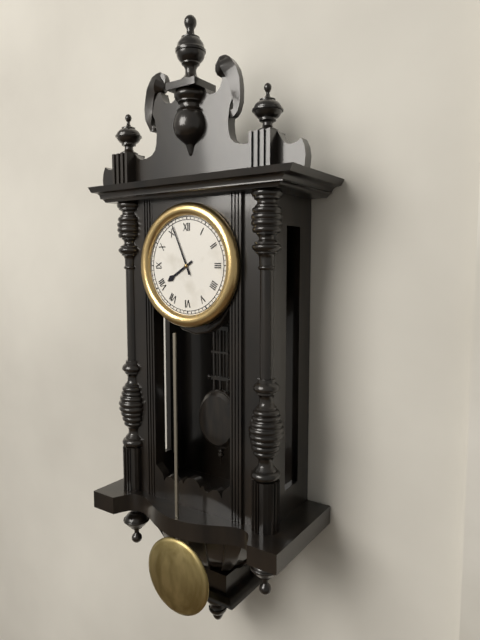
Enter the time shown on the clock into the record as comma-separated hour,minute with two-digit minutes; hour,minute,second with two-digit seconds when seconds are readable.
7,56
